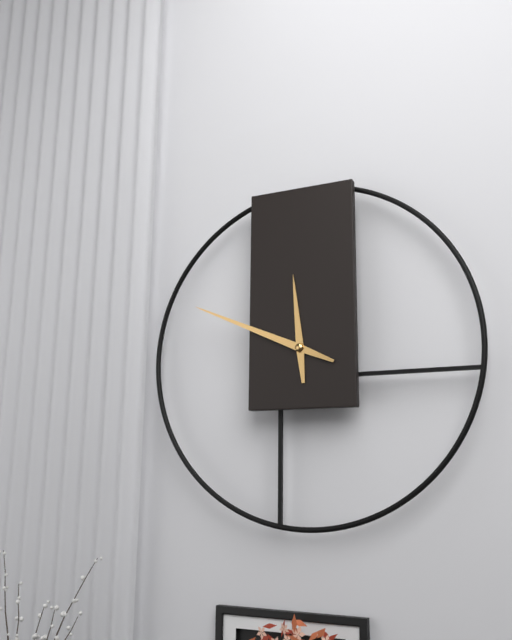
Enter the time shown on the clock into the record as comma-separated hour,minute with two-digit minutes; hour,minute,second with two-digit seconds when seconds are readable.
11,49
